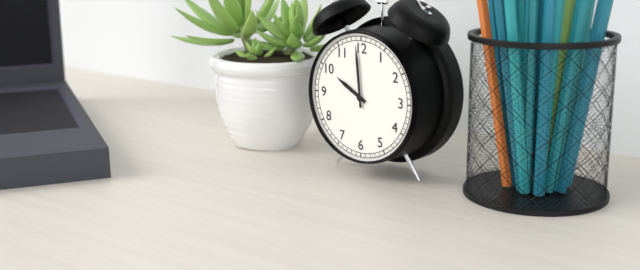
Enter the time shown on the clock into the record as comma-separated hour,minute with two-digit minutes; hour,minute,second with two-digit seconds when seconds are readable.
9,59
